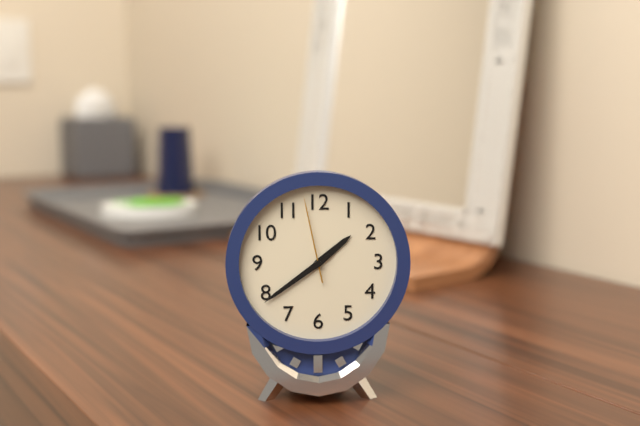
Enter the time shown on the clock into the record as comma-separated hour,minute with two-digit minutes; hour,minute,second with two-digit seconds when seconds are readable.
1,39,58
